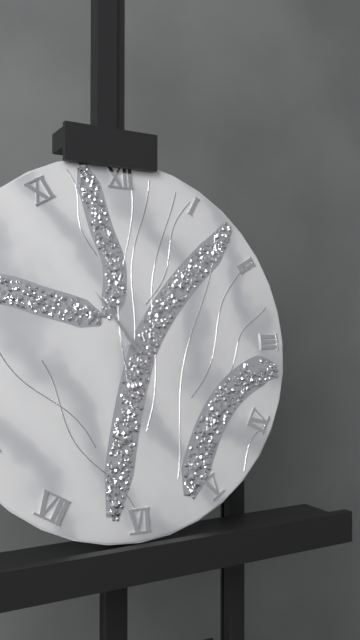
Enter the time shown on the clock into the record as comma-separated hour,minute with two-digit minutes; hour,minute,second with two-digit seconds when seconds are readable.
10,54
